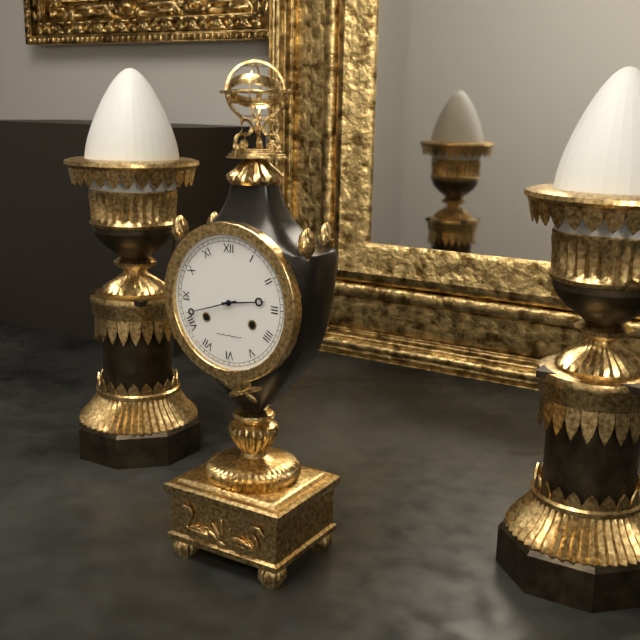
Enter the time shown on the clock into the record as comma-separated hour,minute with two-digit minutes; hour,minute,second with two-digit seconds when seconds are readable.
2,42
